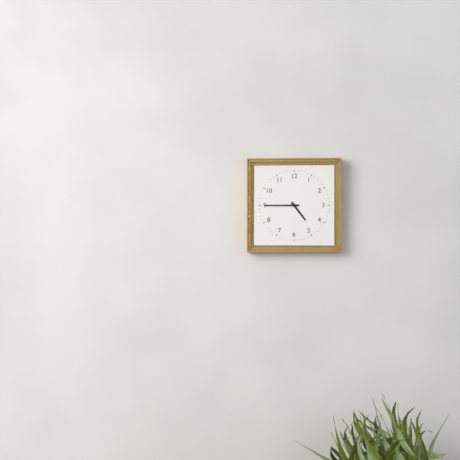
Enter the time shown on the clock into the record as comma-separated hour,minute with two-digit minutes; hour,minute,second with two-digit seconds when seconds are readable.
4,45
